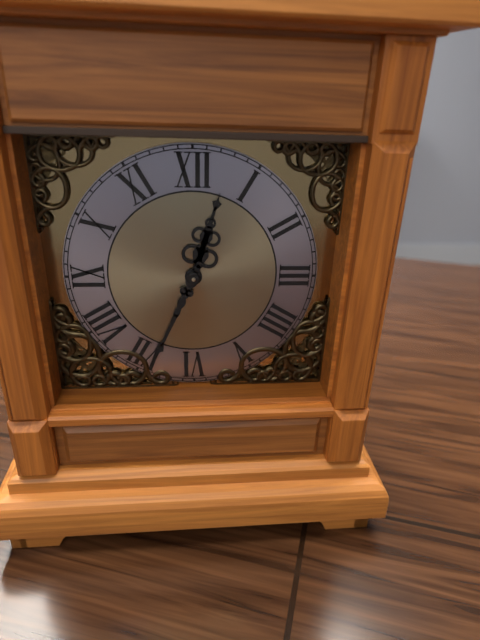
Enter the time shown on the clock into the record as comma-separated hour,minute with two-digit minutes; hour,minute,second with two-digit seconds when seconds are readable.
12,34
